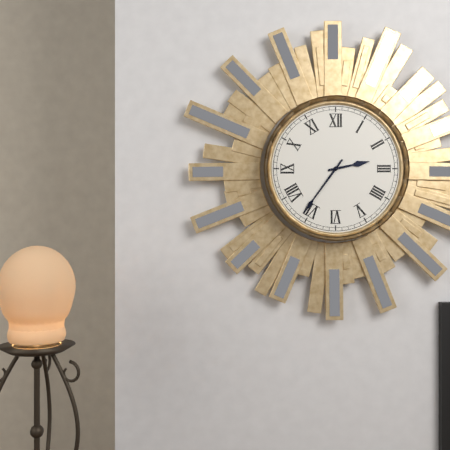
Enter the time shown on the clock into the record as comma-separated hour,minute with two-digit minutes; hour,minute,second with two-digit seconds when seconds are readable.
2,36
